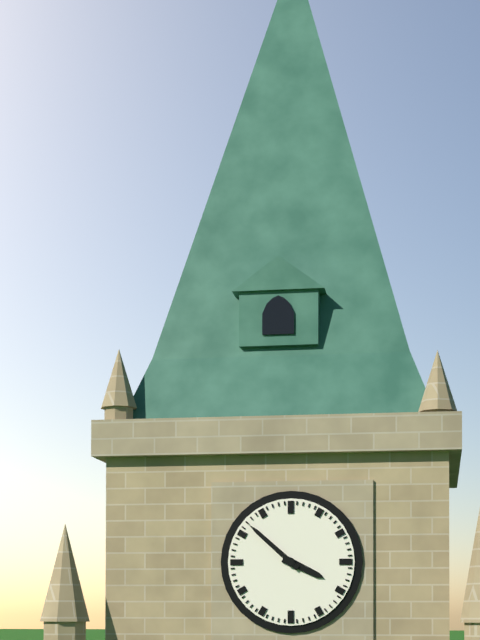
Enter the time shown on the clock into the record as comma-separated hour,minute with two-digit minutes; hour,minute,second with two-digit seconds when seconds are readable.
3,52
